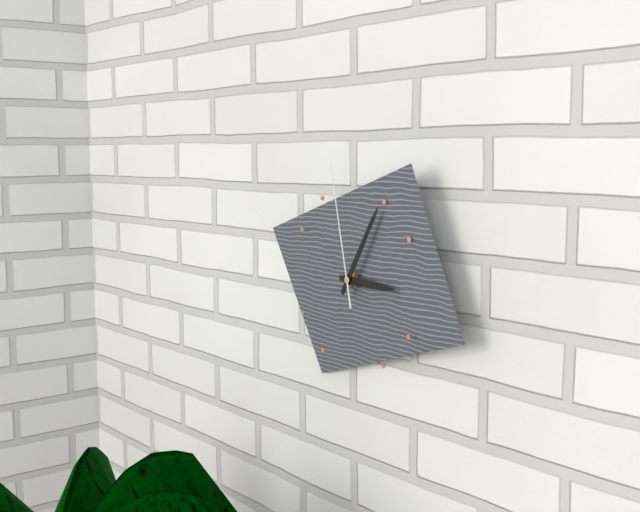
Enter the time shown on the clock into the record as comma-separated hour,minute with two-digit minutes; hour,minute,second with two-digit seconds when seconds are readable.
3,05,58
